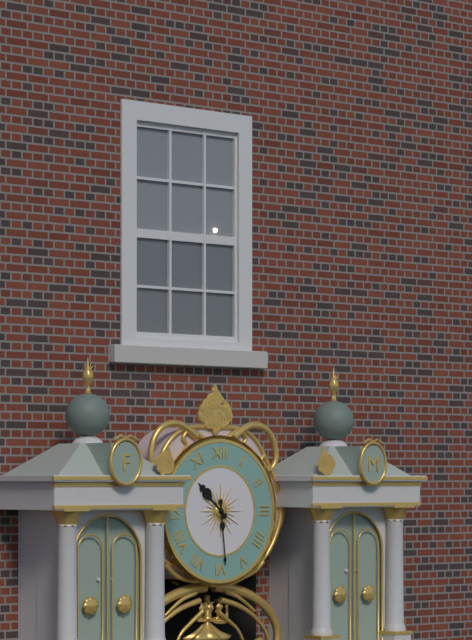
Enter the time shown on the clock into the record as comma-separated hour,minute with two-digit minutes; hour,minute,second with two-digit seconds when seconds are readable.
10,29
